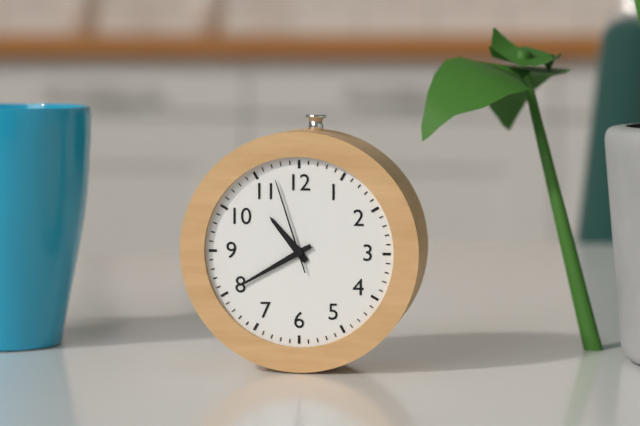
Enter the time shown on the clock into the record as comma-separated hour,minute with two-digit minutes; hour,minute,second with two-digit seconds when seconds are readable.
10,40,57
